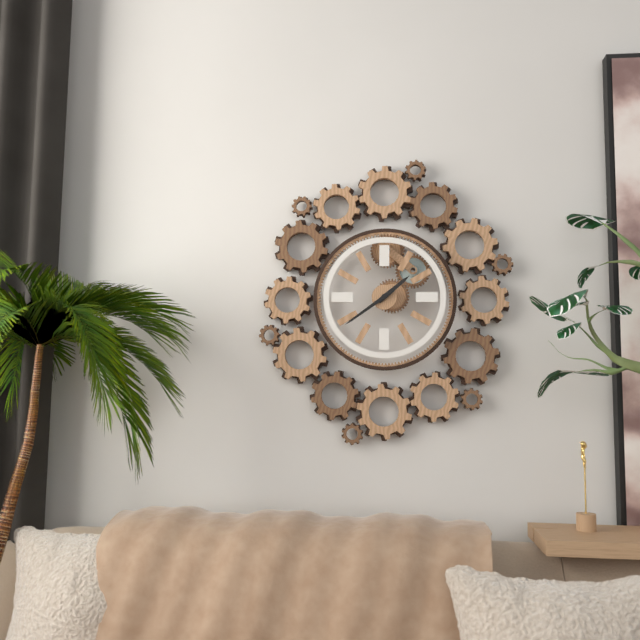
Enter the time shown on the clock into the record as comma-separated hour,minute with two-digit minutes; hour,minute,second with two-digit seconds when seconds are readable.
1,39
